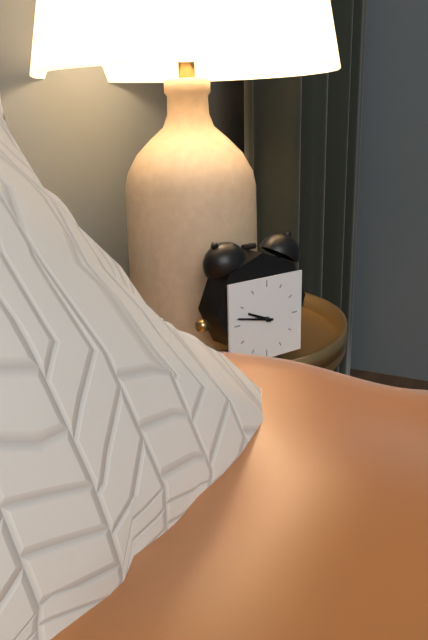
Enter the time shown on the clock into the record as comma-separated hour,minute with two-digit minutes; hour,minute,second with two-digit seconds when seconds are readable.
9,47
